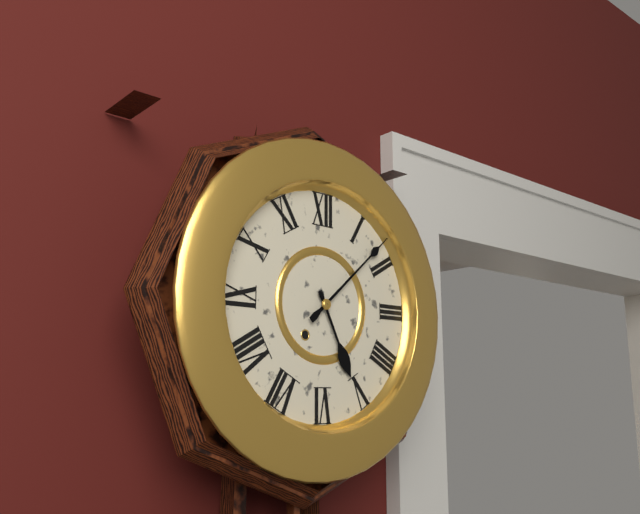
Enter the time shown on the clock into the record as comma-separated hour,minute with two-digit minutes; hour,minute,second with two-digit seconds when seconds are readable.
5,08
